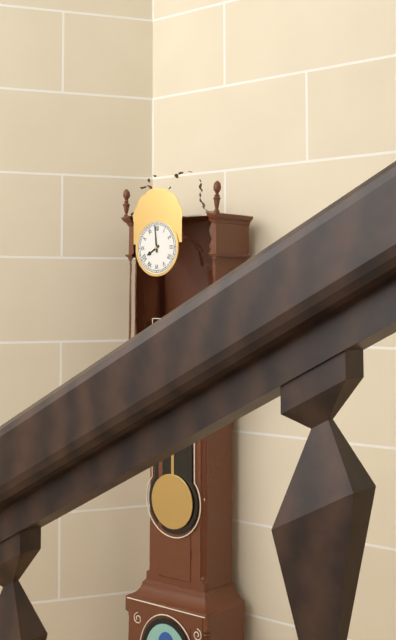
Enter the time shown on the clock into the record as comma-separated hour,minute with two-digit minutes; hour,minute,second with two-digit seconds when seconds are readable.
7,59
